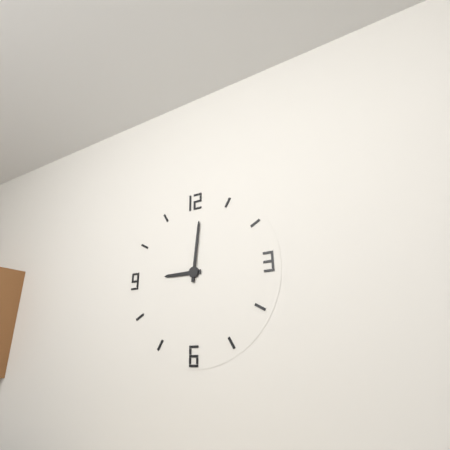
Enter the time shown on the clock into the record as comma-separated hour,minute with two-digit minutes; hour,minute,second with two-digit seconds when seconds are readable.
9,01
